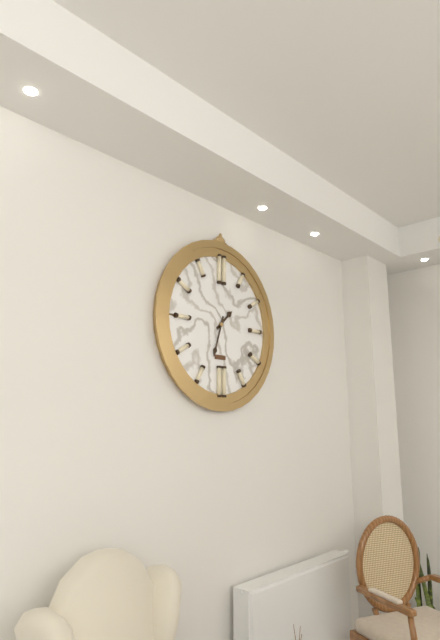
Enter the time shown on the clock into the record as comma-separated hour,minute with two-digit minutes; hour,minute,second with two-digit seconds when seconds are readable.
1,33
